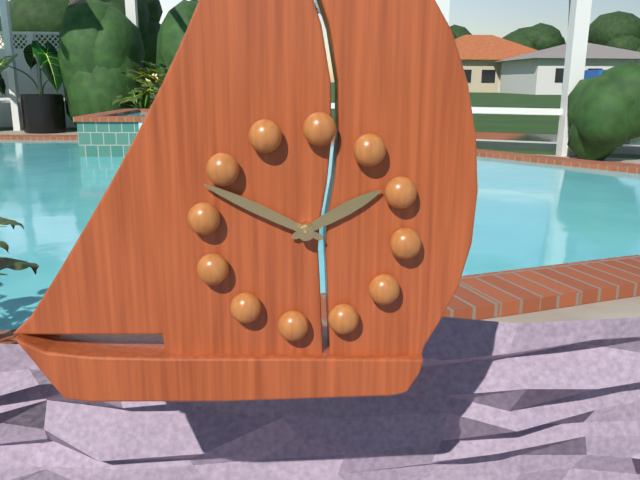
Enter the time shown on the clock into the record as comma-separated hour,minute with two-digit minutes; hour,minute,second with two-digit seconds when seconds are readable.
1,48
